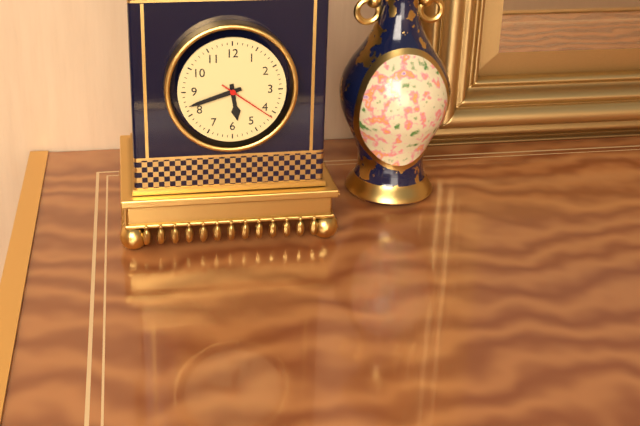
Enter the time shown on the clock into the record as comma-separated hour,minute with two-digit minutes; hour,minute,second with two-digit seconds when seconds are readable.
5,42,21
